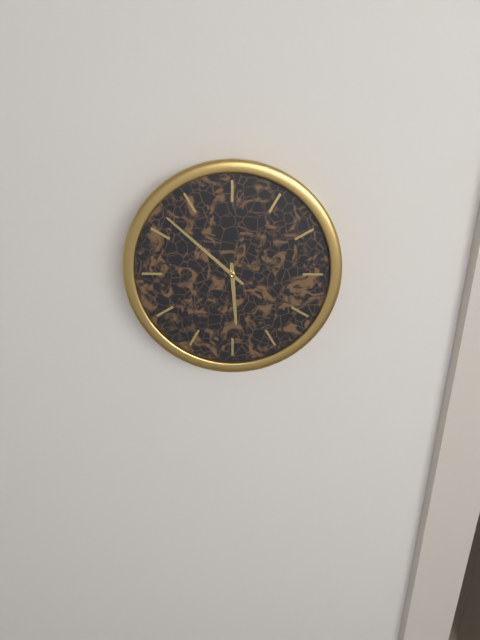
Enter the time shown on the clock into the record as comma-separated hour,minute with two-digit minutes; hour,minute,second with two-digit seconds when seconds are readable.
5,52
